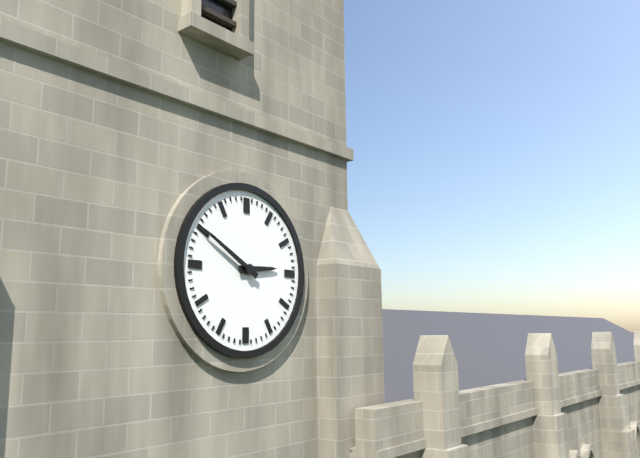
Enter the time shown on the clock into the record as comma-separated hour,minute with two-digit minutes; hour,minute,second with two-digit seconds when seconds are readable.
2,50
